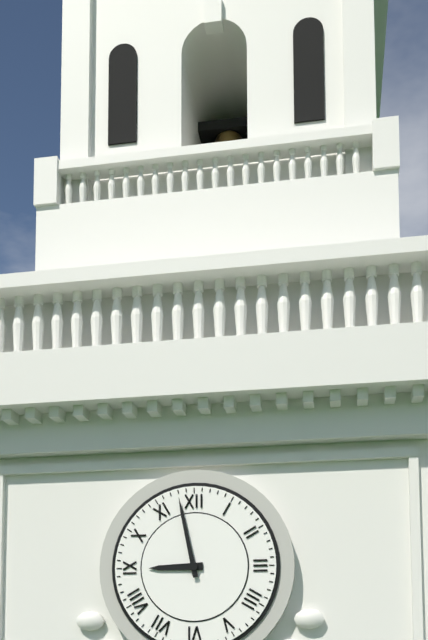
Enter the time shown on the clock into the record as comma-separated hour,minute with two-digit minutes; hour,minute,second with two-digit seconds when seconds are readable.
8,58
